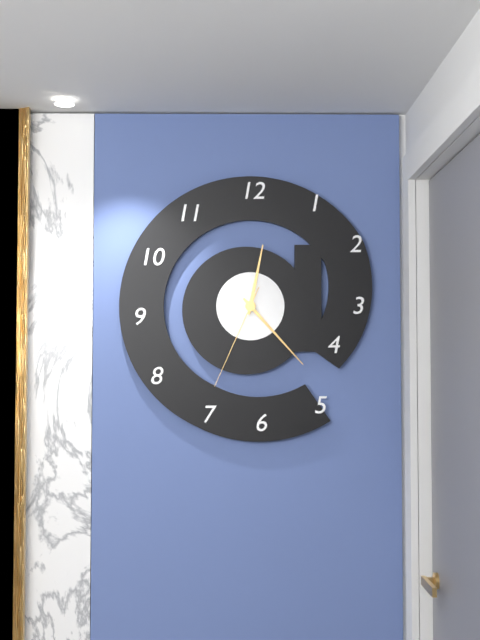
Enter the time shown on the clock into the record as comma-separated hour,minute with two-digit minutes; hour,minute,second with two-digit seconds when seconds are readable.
12,23,34
